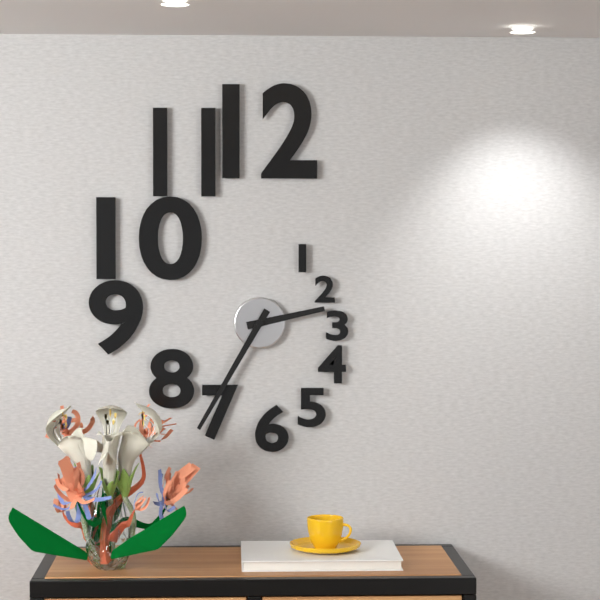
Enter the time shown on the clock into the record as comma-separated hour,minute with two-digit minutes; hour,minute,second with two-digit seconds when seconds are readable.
2,35
